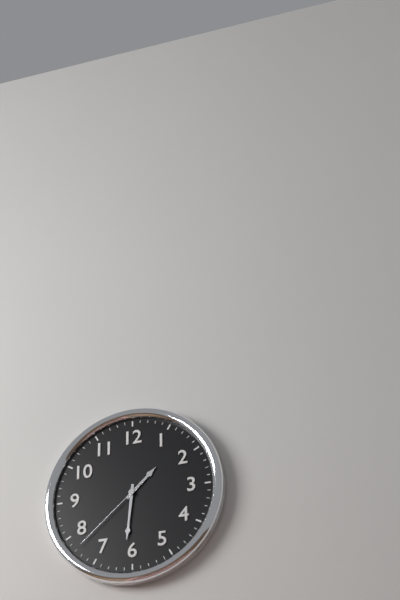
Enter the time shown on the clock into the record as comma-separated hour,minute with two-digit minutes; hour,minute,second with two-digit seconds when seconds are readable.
1,31,38
